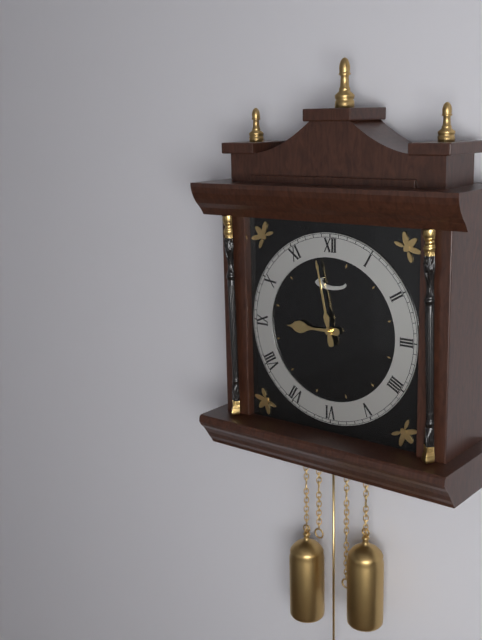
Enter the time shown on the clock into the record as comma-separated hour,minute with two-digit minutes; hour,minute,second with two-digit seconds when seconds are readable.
8,58
